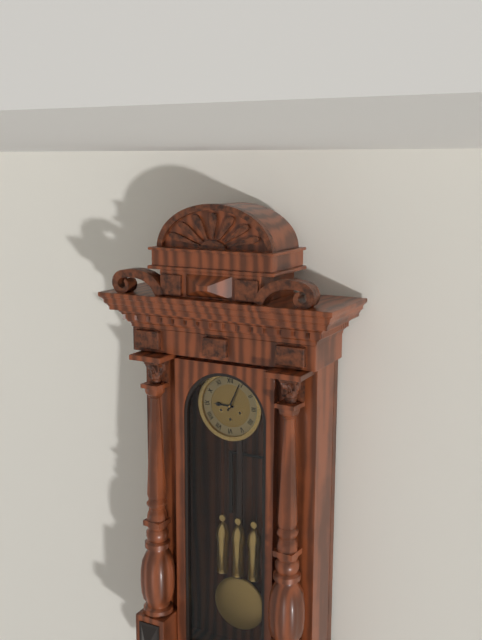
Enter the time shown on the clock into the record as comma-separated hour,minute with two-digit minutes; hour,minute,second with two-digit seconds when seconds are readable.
9,04
